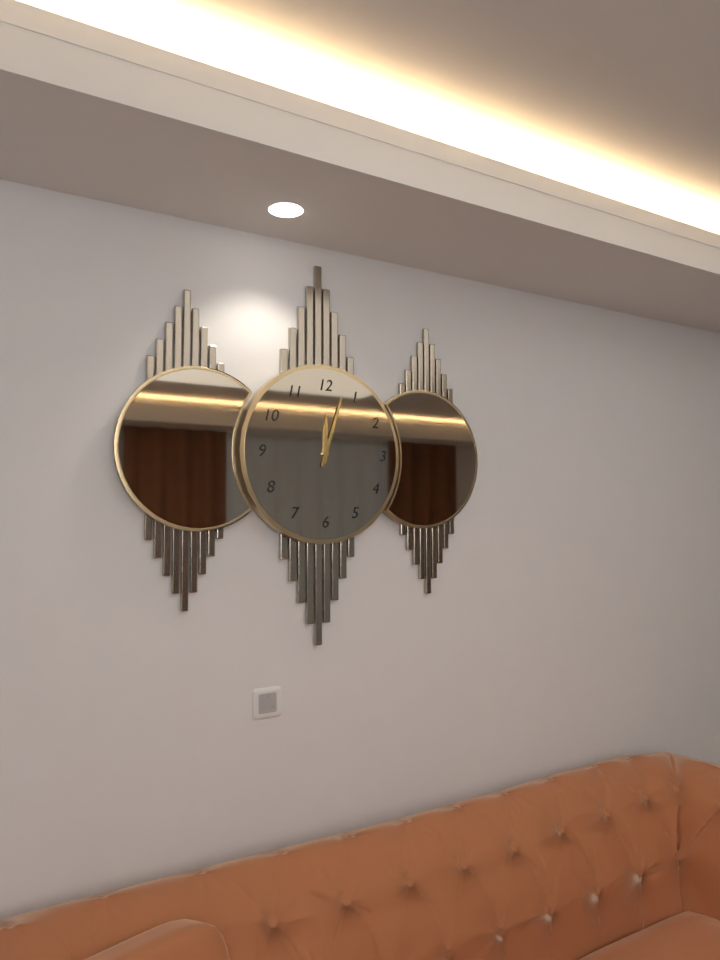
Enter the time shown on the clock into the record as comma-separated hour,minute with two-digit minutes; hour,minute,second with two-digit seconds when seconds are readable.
12,03
